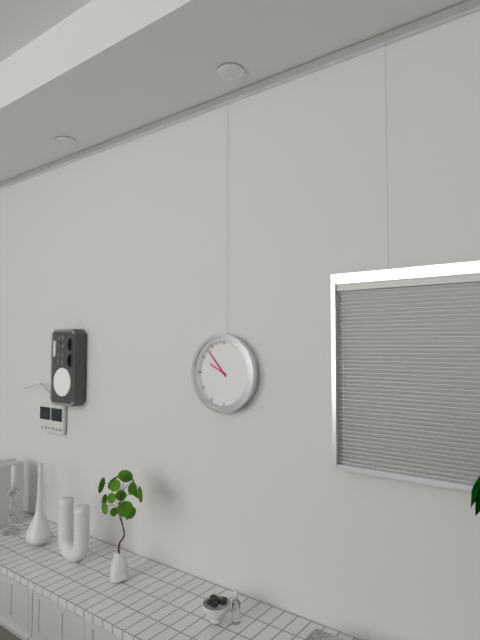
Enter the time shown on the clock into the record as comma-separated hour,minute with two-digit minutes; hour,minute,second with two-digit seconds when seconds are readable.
9,53
